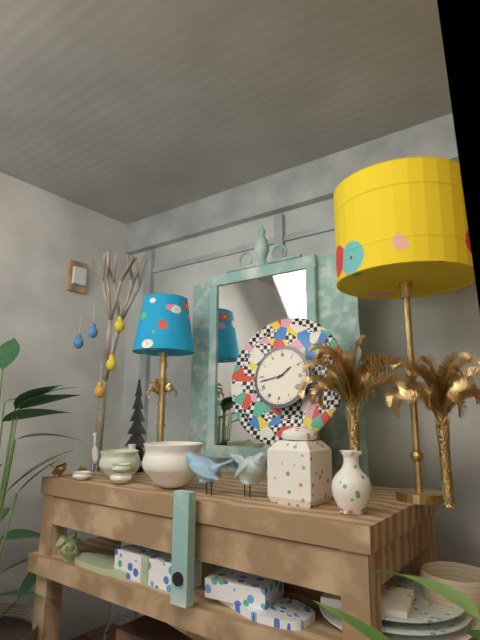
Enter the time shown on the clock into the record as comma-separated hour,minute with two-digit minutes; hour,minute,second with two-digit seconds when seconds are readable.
1,43
